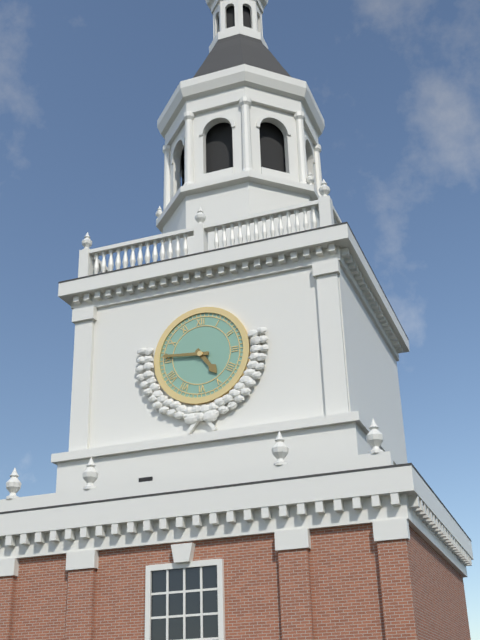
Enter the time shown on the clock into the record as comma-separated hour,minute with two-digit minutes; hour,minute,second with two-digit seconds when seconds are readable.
4,46
